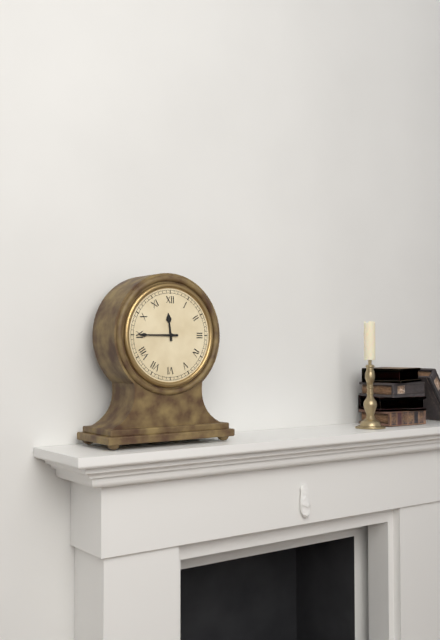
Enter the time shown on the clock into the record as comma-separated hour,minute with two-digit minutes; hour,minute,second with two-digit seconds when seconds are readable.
11,45
